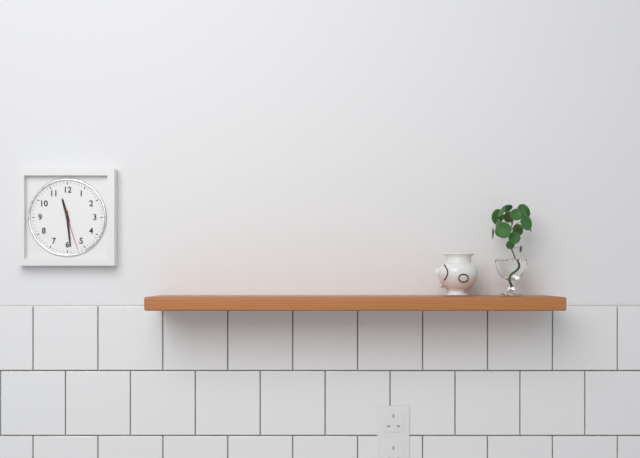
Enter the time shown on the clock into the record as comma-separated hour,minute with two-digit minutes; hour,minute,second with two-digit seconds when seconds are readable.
11,29
